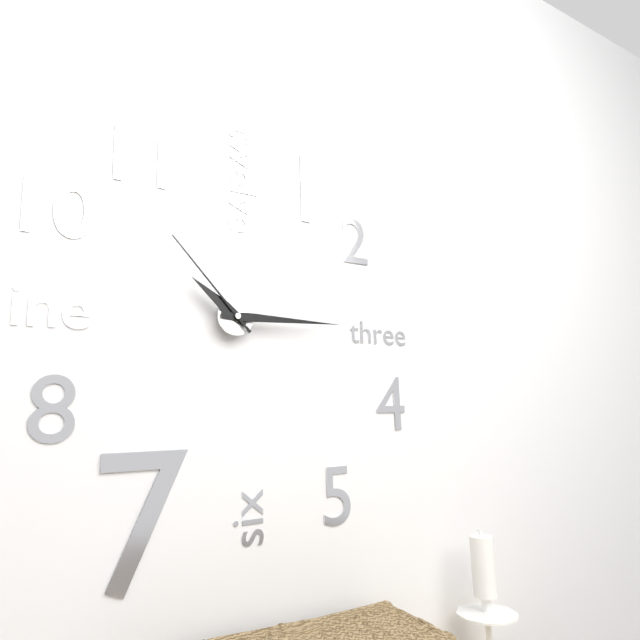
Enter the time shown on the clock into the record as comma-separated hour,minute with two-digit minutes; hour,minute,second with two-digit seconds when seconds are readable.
10,15,53
